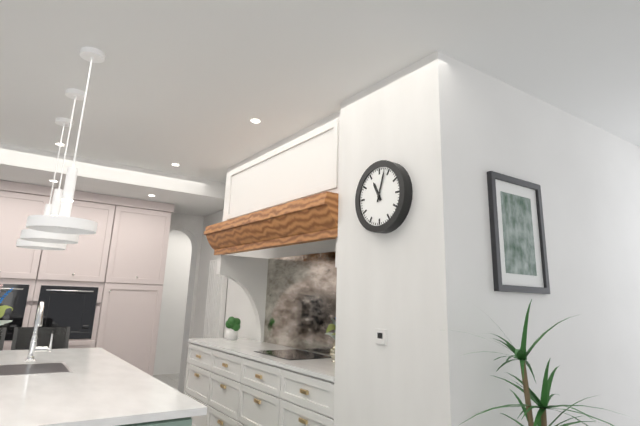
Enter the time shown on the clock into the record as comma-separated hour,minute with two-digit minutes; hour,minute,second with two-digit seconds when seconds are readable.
11,03
